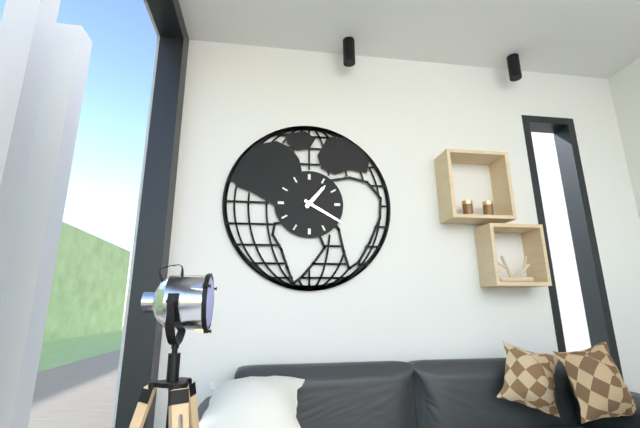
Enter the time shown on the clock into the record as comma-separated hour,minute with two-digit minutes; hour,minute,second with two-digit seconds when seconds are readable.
1,20
